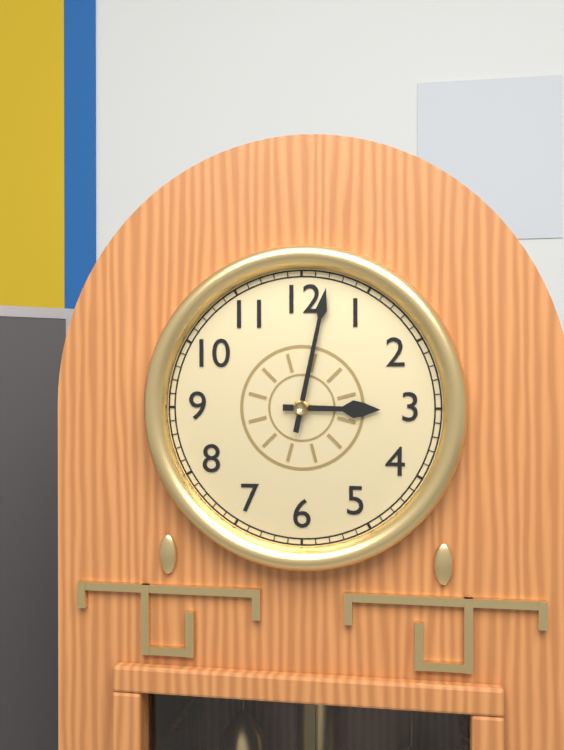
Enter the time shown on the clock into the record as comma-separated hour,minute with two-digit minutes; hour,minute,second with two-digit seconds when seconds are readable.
3,02
